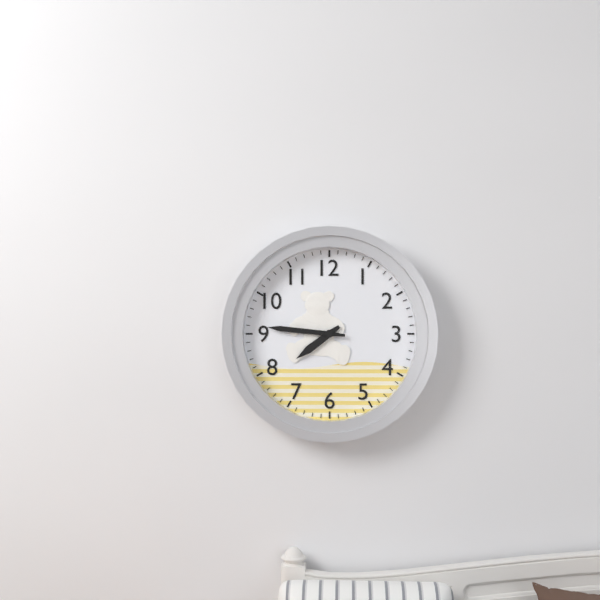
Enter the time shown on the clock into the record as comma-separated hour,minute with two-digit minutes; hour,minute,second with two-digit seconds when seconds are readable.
7,46
